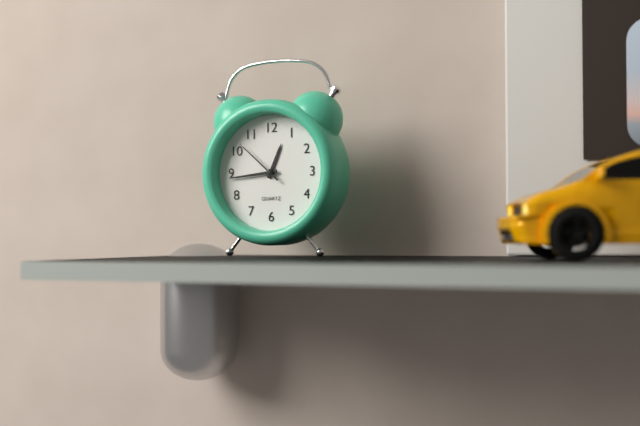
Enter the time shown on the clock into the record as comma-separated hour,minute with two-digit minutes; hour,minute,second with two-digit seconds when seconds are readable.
12,44,52
